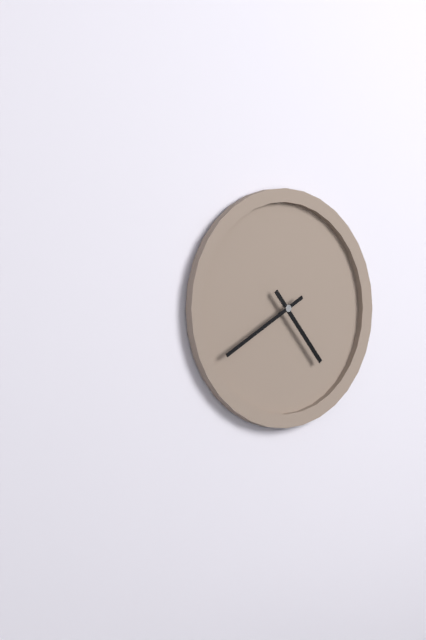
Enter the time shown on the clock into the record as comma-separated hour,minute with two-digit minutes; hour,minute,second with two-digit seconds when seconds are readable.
4,40
